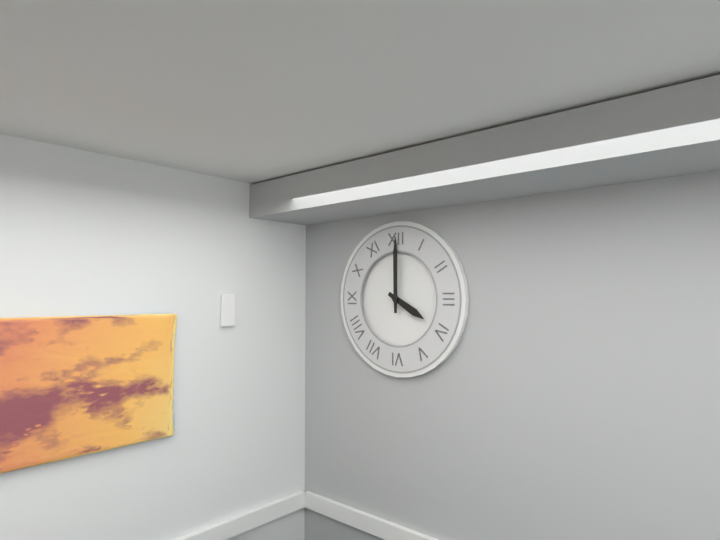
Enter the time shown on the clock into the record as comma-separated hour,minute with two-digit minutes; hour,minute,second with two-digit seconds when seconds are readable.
4,00
